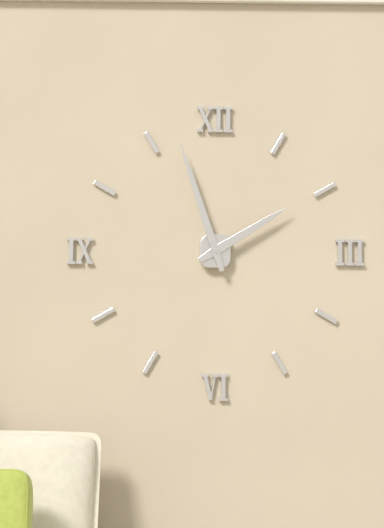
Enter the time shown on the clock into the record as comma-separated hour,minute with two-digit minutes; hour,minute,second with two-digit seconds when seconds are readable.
1,57
